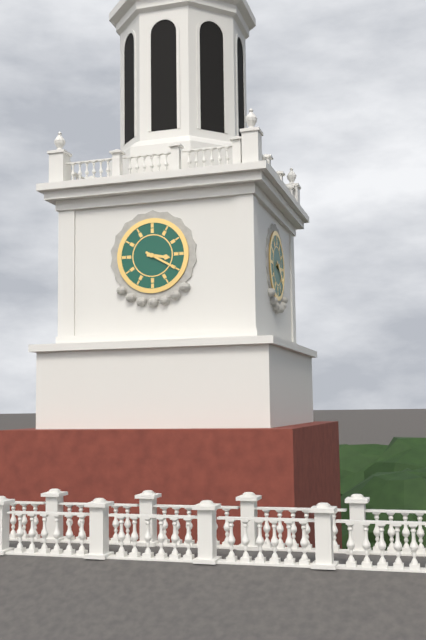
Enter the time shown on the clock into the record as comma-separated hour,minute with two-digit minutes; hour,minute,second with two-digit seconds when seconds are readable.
3,20
